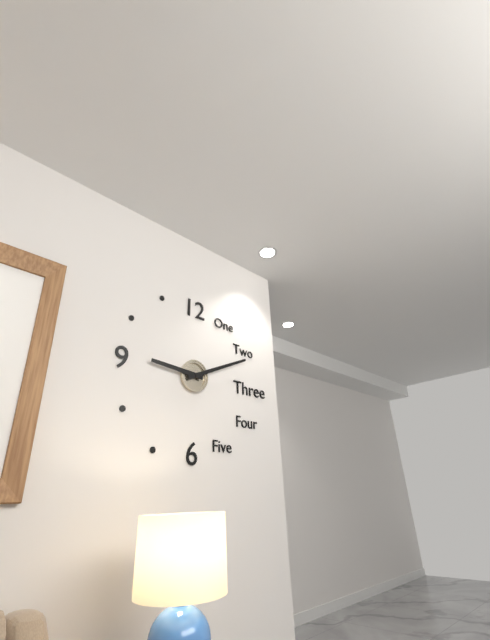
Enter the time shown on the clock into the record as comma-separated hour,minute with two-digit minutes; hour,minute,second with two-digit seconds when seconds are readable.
9,11
